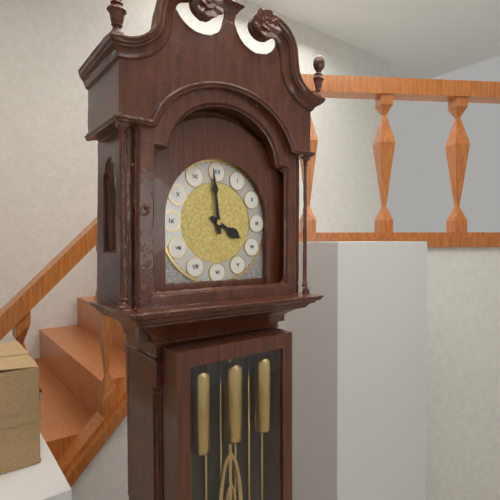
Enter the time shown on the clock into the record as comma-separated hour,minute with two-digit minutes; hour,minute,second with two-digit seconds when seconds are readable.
3,59
